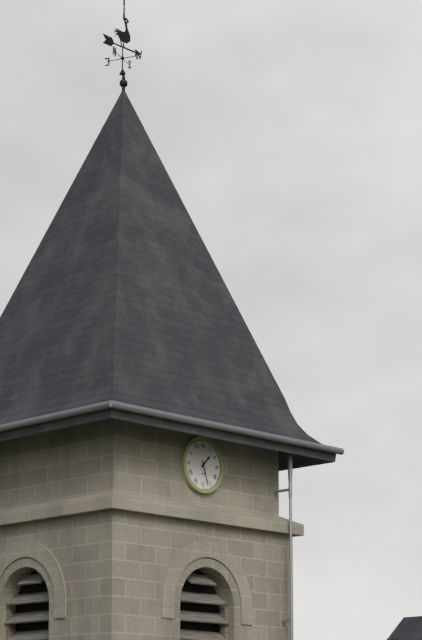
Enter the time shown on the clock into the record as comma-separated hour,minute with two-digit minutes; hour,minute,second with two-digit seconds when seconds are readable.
1,27
